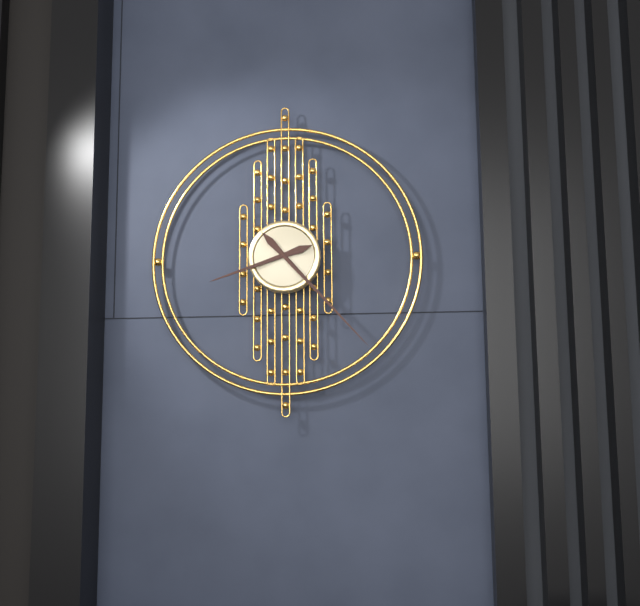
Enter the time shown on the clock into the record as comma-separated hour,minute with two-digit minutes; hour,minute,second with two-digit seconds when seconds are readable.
8,23
